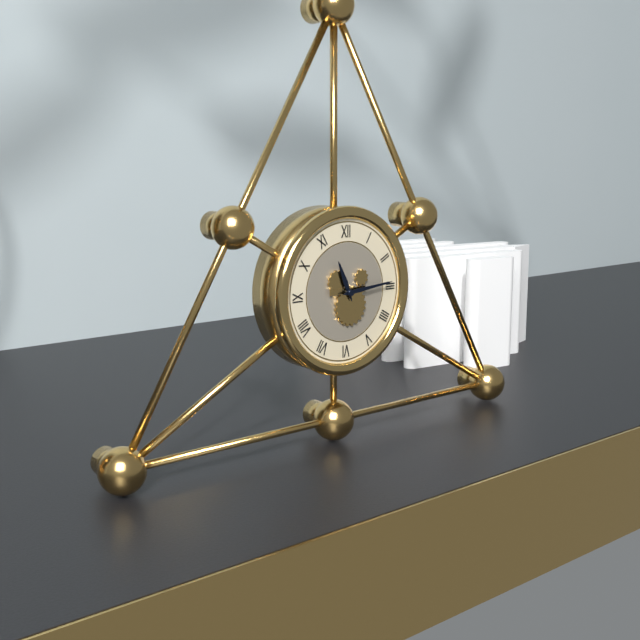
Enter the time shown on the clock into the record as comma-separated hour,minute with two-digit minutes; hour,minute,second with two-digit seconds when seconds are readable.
11,14
